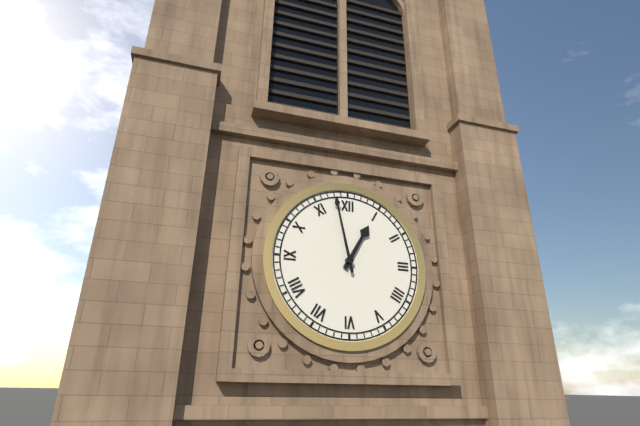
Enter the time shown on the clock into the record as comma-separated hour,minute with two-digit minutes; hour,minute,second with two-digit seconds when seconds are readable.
12,58
